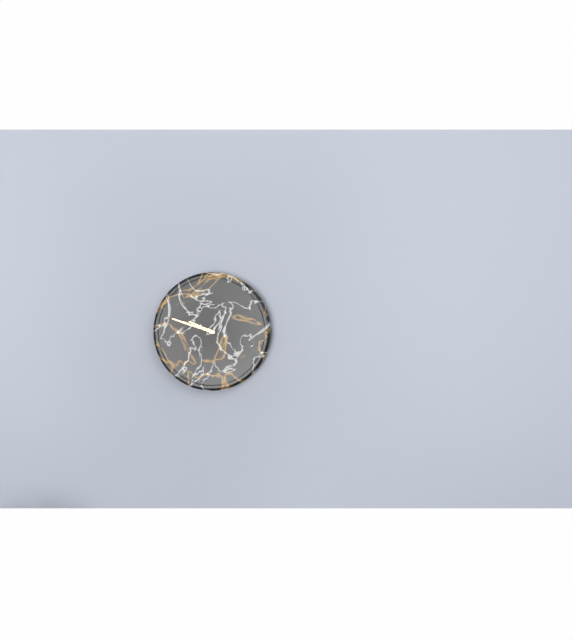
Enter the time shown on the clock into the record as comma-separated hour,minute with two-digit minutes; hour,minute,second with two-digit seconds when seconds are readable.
9,48
